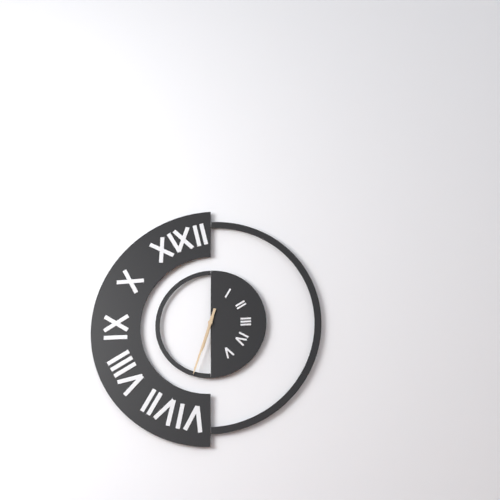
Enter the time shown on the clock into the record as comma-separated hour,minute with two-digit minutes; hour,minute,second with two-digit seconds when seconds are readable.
6,33
